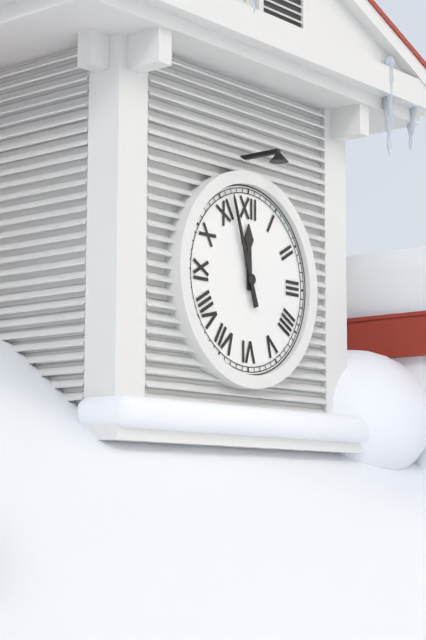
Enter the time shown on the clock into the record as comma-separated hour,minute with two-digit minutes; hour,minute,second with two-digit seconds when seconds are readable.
11,57
